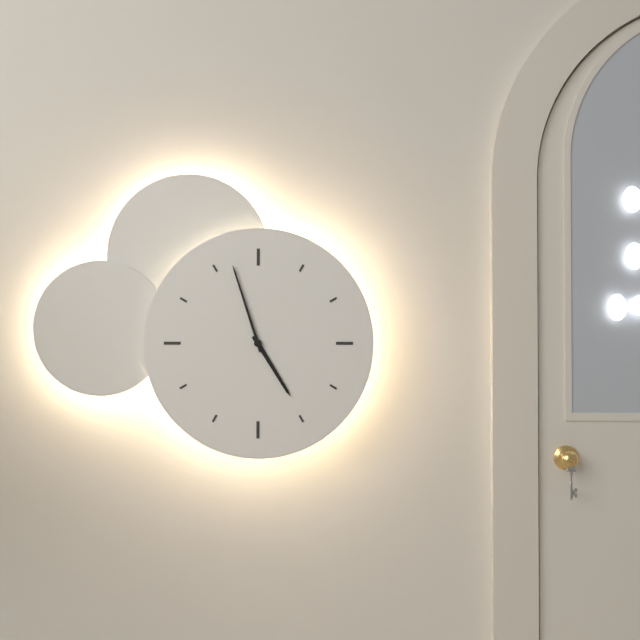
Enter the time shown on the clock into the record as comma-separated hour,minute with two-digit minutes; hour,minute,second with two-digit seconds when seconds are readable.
4,57
